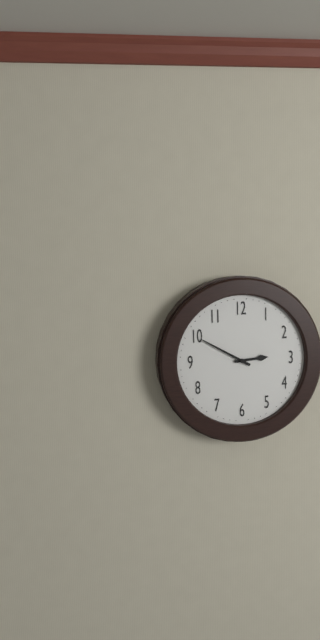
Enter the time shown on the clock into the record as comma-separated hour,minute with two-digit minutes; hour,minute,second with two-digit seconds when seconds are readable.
2,50
